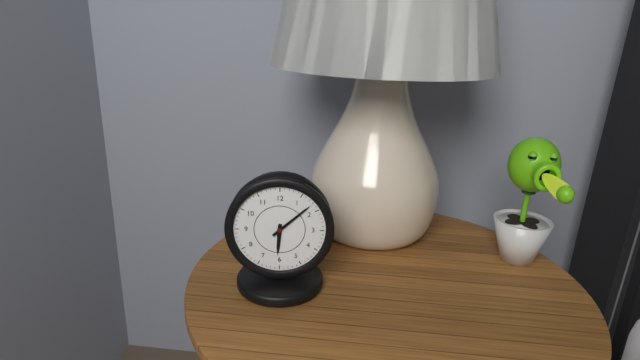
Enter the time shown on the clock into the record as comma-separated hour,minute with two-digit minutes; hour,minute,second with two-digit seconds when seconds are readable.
6,08
